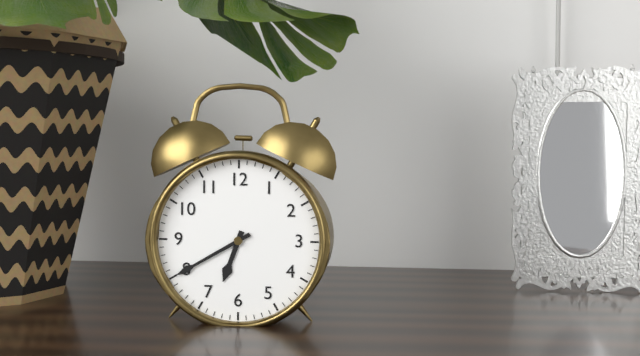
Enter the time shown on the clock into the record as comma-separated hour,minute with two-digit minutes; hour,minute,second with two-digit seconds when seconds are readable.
6,40
